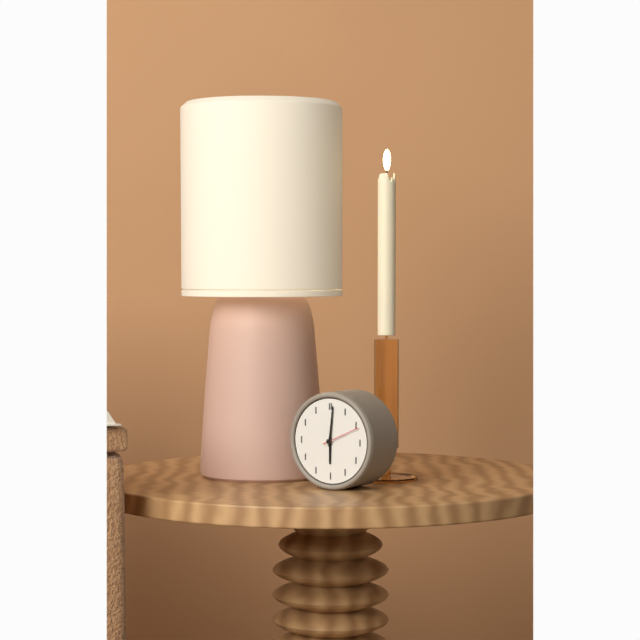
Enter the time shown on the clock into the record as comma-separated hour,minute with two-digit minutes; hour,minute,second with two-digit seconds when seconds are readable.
6,01
